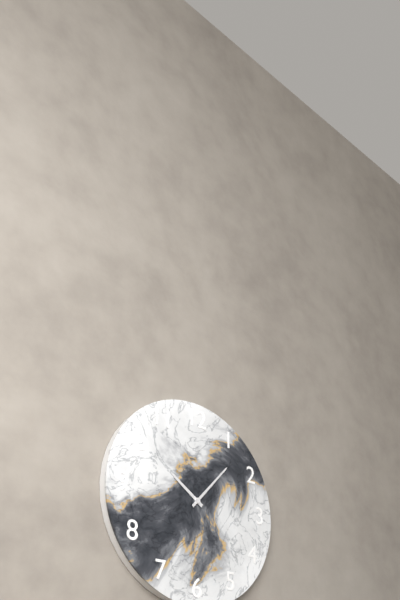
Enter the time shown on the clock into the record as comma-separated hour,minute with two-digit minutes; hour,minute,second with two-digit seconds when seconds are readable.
10,07
